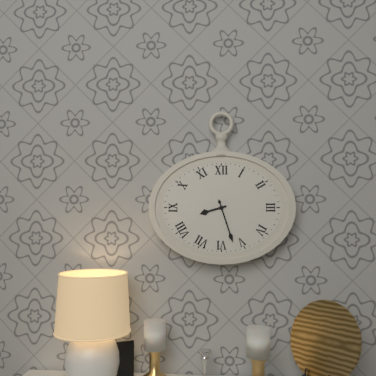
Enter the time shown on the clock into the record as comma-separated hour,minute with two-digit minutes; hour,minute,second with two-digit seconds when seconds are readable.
8,27
